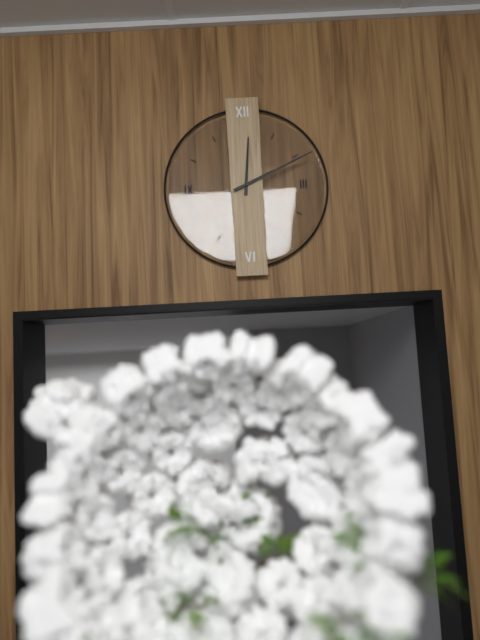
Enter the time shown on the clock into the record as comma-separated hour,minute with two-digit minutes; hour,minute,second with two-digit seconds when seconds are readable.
12,11
